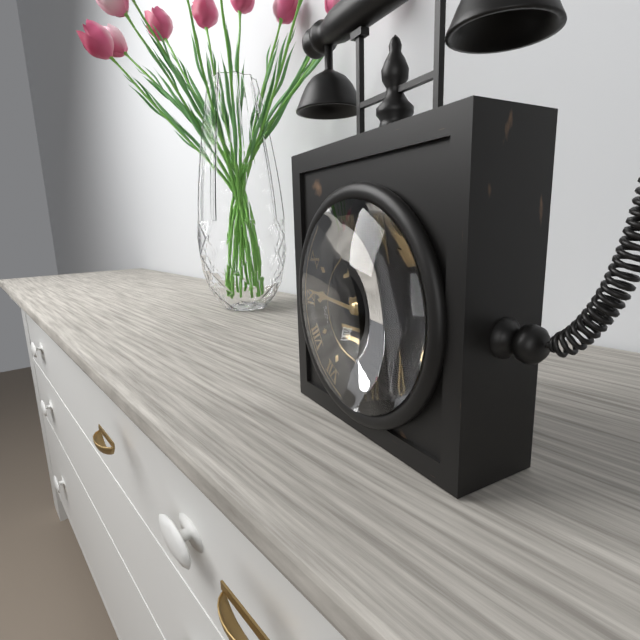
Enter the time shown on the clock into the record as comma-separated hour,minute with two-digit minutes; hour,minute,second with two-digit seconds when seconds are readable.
4,46
